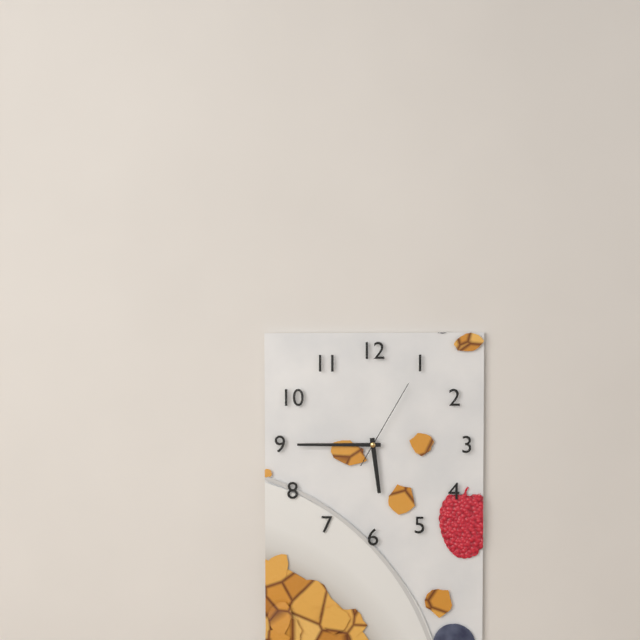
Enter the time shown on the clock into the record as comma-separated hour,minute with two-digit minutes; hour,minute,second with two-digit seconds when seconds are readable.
5,45,05
